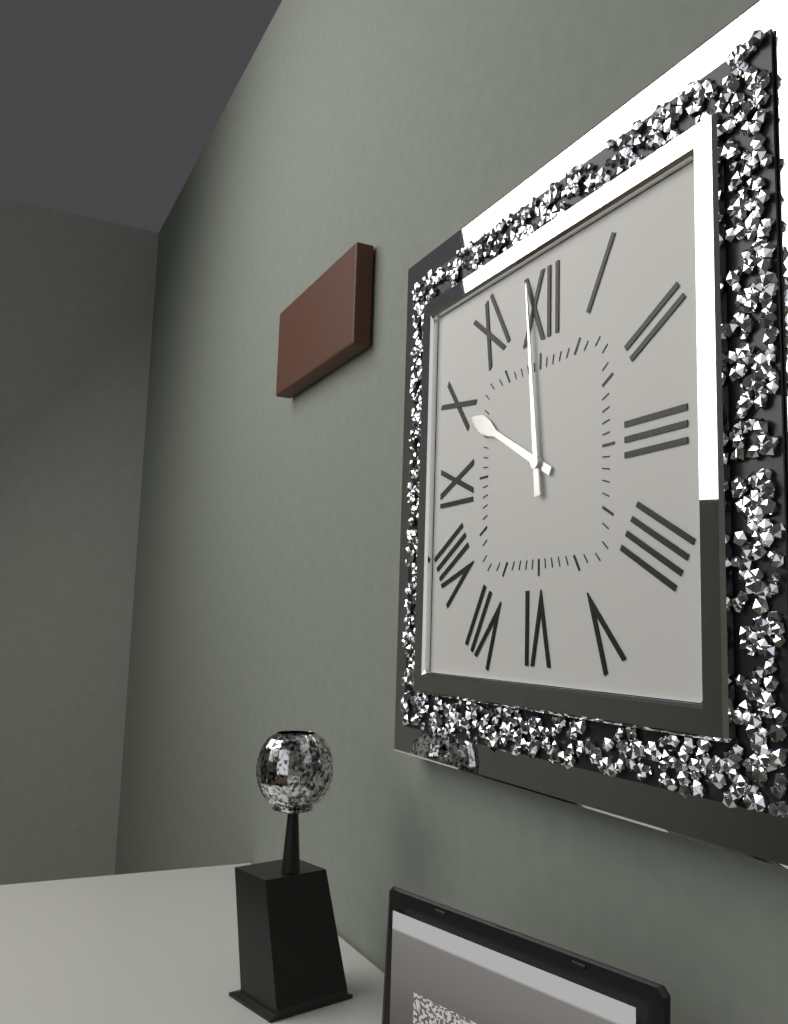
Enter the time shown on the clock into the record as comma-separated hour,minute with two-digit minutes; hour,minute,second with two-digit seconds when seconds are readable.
9,59
